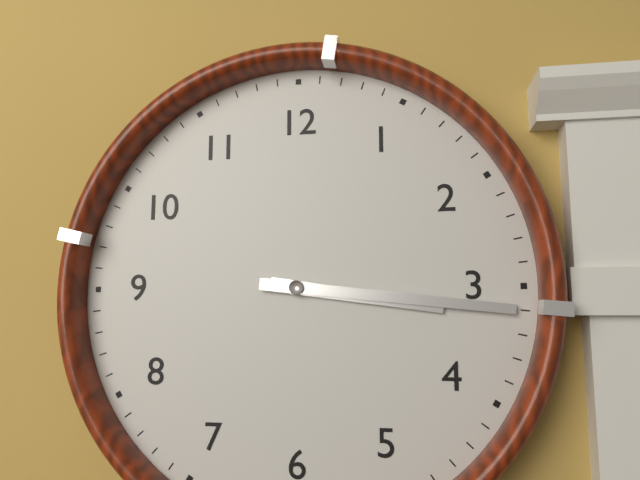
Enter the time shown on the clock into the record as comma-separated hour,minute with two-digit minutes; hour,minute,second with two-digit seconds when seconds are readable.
3,16
